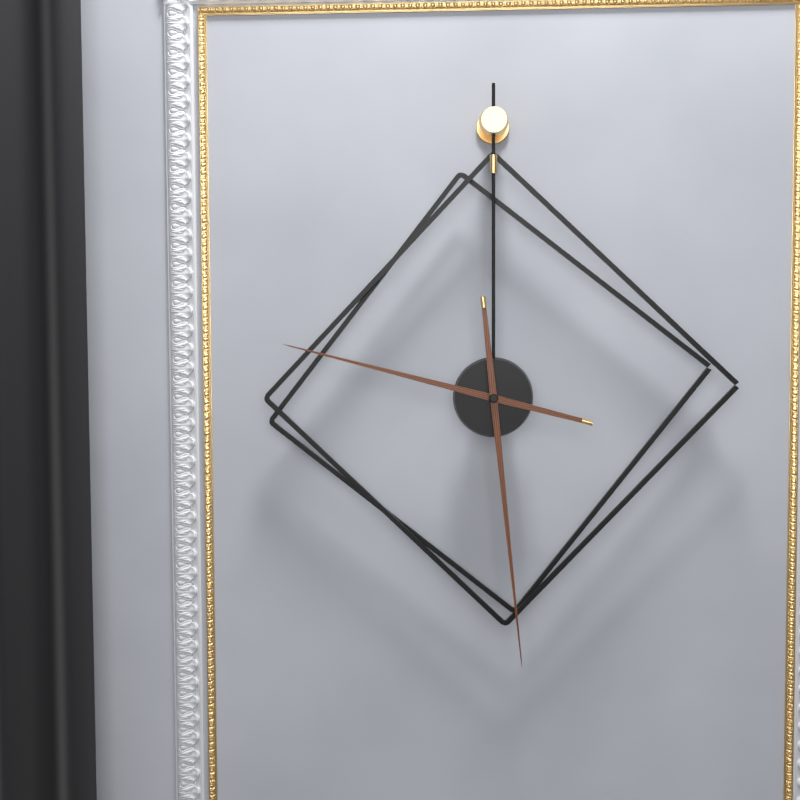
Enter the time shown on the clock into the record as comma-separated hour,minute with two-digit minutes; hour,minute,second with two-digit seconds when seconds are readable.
9,29
